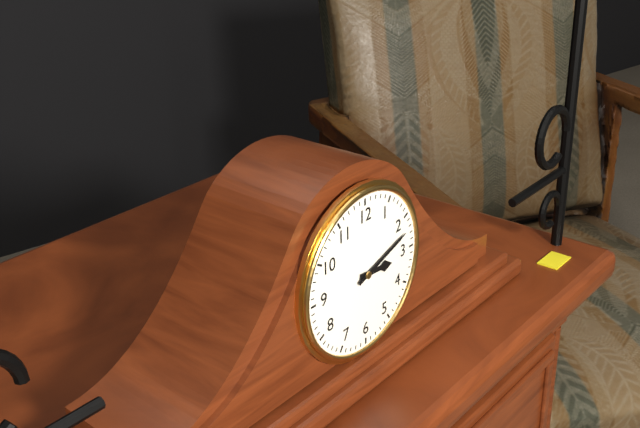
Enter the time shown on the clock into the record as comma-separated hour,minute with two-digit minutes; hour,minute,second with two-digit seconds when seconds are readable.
3,12
